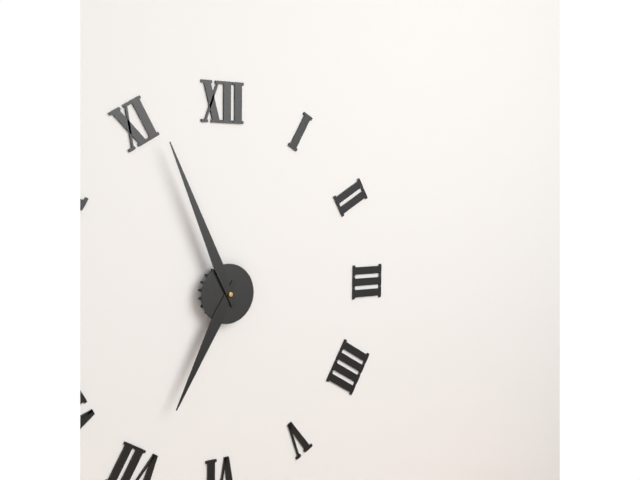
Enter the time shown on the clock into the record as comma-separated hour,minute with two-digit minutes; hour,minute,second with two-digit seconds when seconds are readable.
6,56
